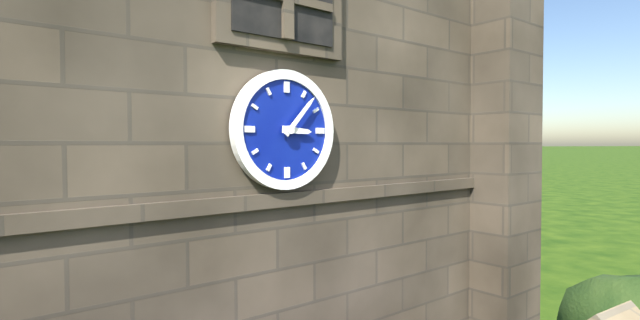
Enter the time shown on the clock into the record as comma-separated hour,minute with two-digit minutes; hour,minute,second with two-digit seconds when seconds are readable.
3,07
